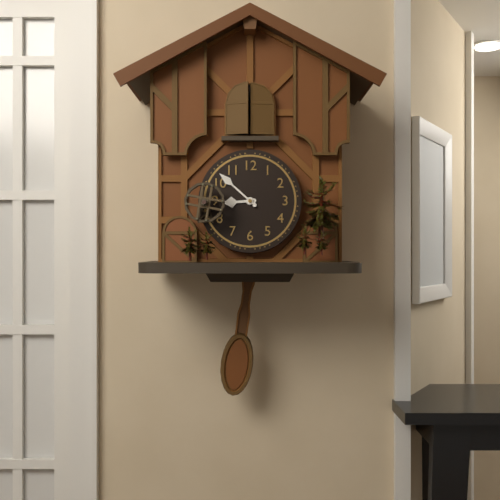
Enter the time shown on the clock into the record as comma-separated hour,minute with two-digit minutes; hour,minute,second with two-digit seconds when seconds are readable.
8,52
